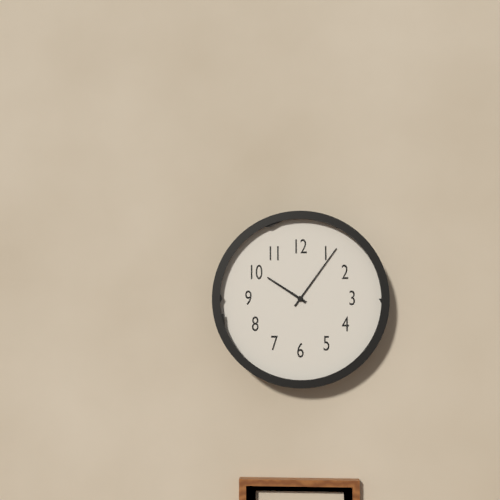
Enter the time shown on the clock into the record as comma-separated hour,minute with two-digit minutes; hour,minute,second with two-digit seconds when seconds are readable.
10,06
